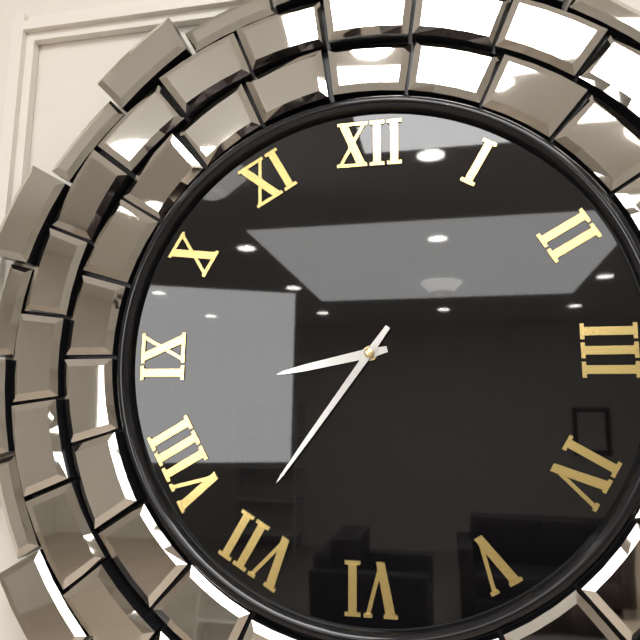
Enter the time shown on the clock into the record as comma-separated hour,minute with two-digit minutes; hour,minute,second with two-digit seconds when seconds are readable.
8,36
